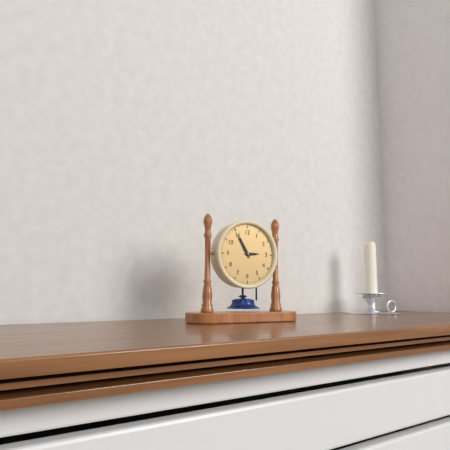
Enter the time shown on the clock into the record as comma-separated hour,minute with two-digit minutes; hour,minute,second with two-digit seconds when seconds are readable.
2,55
